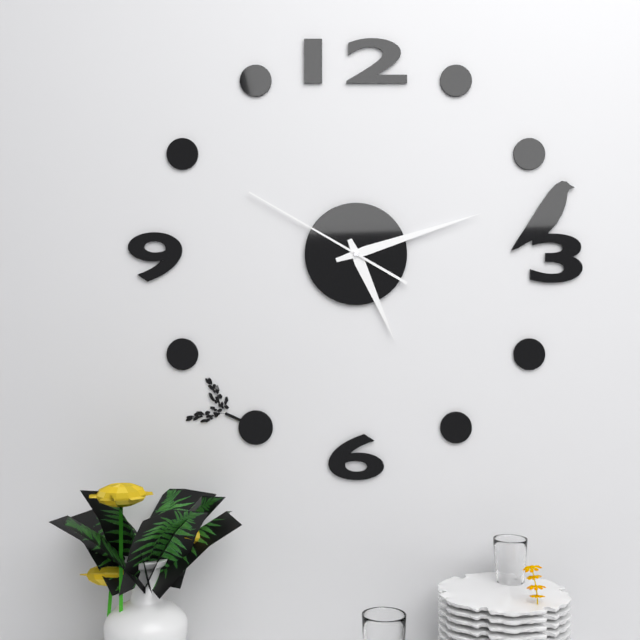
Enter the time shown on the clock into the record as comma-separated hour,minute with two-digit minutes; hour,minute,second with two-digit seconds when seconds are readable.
5,12,50
